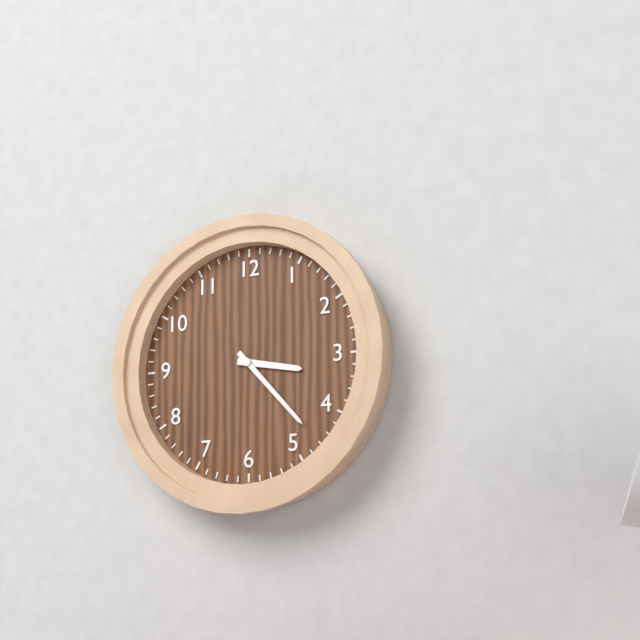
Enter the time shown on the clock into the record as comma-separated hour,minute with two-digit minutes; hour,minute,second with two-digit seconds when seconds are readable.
3,23
